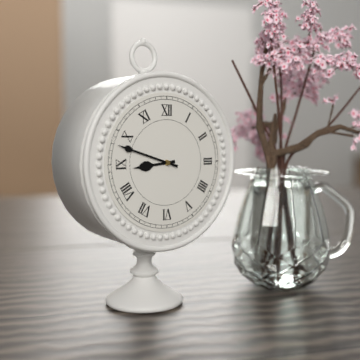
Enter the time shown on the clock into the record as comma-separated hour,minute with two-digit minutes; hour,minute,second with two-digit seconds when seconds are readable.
8,48
